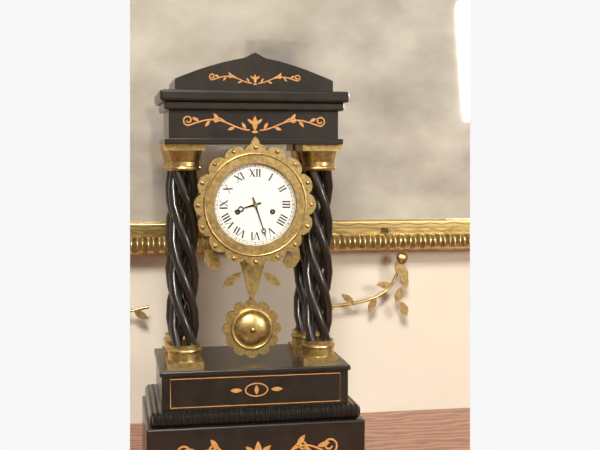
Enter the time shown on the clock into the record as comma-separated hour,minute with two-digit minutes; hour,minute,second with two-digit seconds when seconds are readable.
8,27
